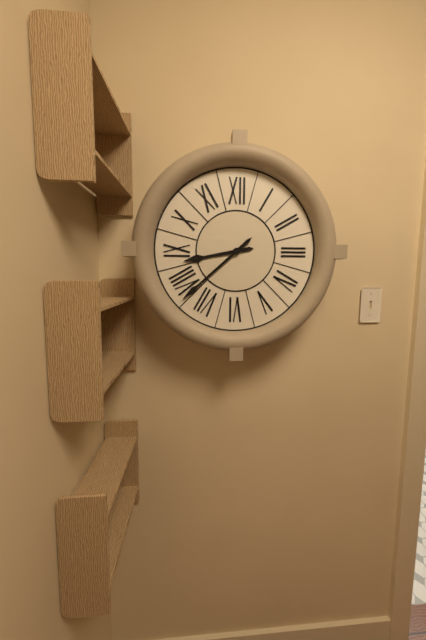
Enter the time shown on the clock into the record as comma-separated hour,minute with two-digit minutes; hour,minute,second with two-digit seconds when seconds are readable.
8,38
